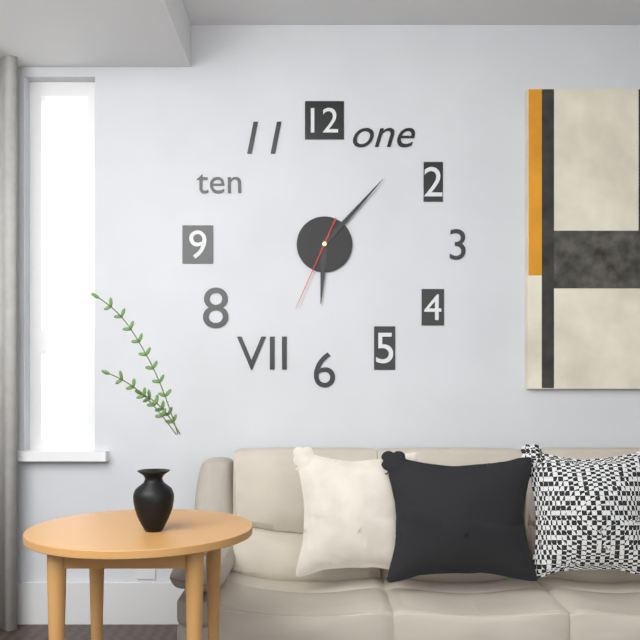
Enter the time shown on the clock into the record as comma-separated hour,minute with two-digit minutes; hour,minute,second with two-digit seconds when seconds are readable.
6,07,34
